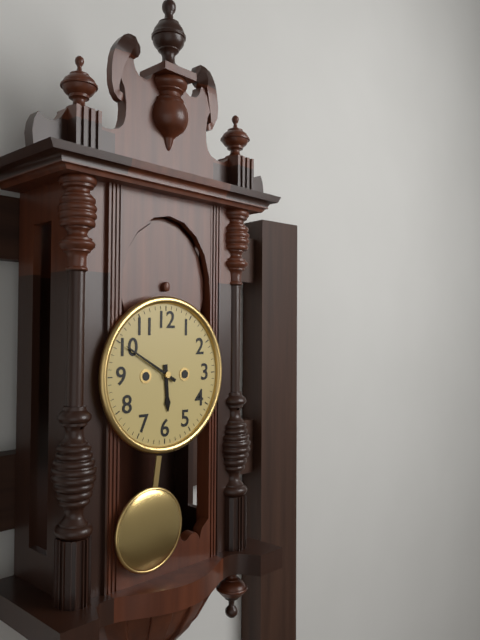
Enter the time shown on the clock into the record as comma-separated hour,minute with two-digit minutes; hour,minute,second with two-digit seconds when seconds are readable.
5,50
